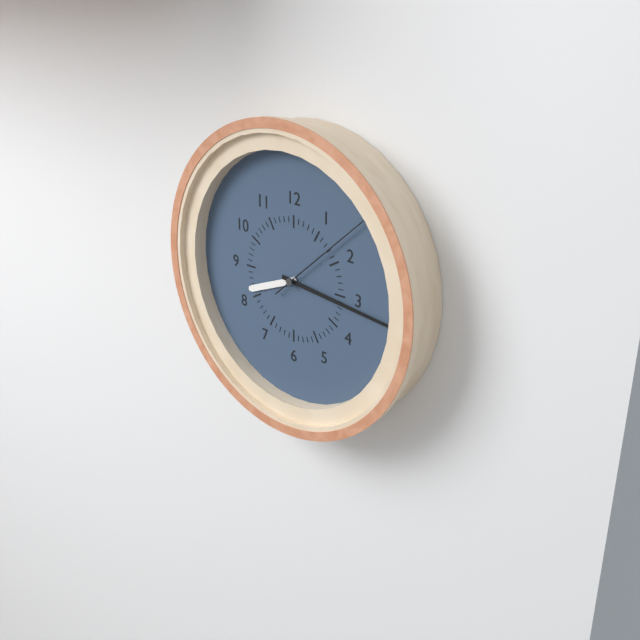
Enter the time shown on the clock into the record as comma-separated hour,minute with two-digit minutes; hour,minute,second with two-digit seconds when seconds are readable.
8,16,08
